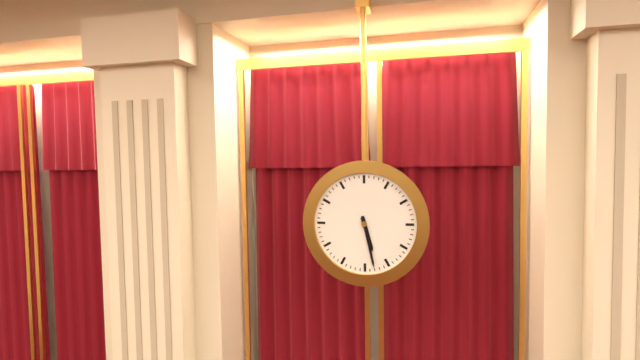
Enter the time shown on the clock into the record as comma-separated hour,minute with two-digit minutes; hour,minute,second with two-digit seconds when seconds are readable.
5,28
